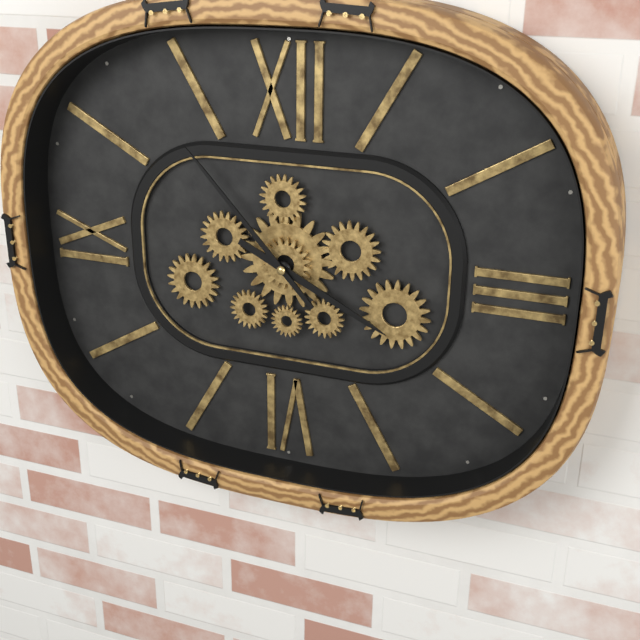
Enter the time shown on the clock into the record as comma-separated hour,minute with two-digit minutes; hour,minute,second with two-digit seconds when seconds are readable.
3,53
